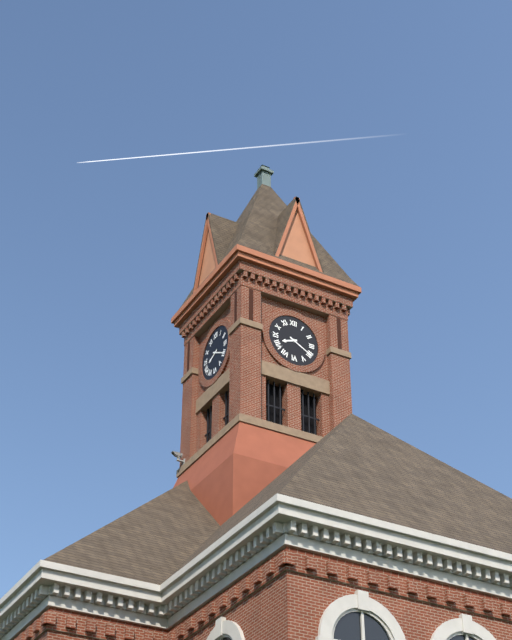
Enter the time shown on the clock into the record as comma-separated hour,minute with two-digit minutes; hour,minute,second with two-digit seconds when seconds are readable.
8,20
